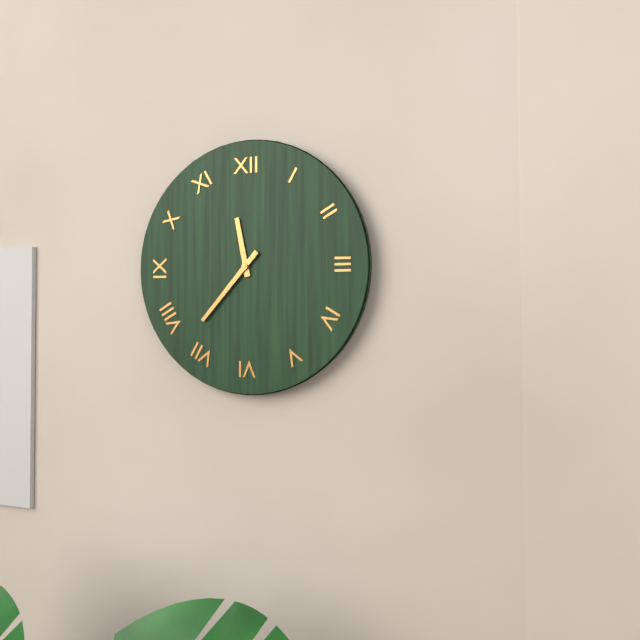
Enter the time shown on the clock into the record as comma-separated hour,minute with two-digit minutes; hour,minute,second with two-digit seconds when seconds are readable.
11,37
